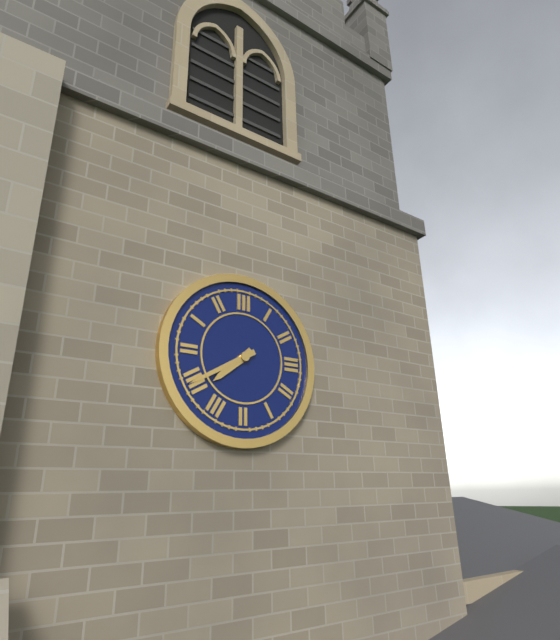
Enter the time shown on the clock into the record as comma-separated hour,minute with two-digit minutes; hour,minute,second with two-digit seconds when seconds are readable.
7,40
